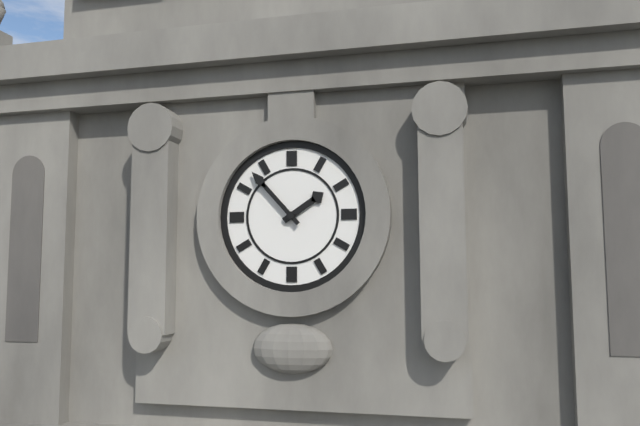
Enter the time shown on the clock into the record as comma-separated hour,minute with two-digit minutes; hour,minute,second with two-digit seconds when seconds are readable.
1,53
